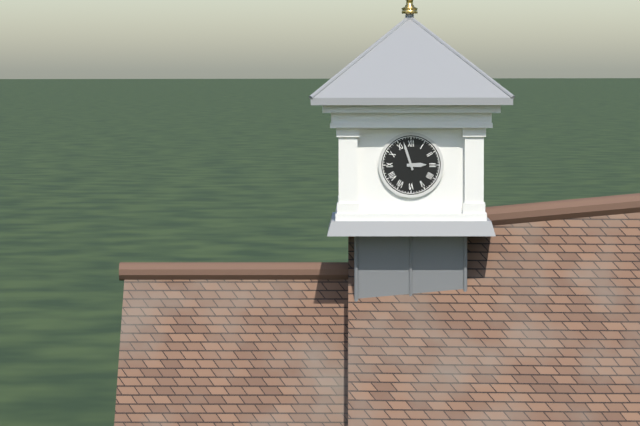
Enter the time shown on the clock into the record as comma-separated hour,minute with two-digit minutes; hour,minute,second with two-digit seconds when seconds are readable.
2,57
